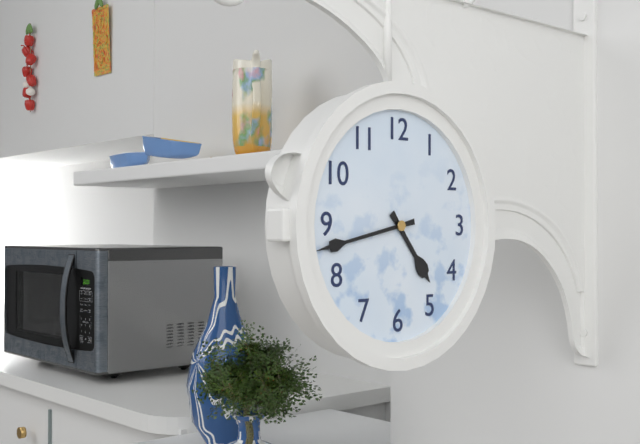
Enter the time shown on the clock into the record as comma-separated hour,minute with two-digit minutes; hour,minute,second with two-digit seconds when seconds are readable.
4,43
